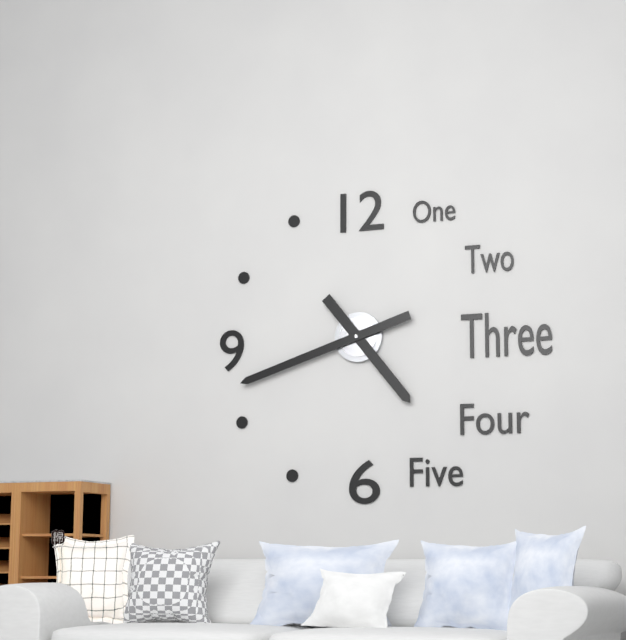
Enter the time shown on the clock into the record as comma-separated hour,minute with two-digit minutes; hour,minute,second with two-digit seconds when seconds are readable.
4,42
